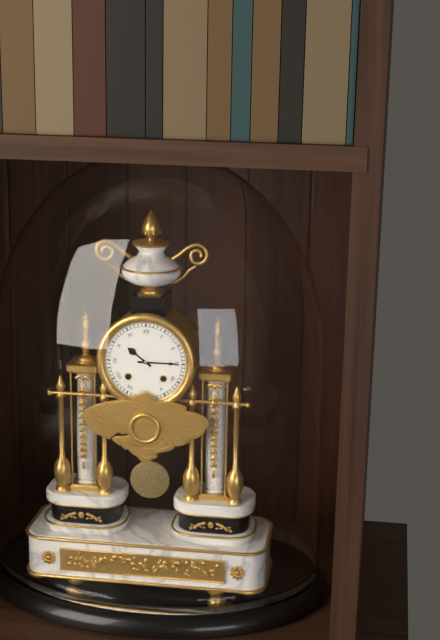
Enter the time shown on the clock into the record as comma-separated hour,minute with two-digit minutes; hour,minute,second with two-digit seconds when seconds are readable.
10,15
